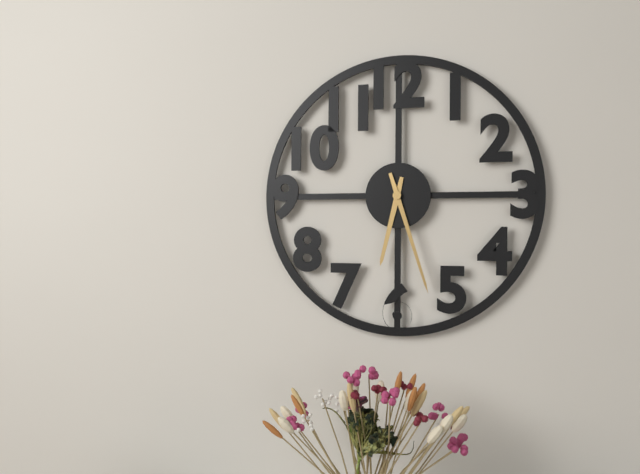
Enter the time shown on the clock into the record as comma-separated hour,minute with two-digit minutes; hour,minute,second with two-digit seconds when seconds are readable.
6,27
